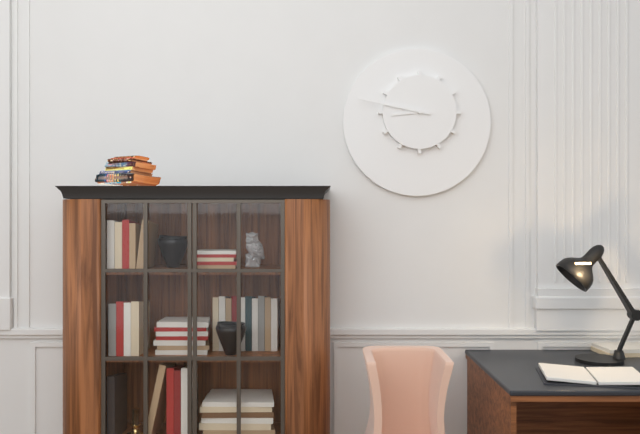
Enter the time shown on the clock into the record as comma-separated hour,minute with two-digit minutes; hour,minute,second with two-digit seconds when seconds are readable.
8,47
